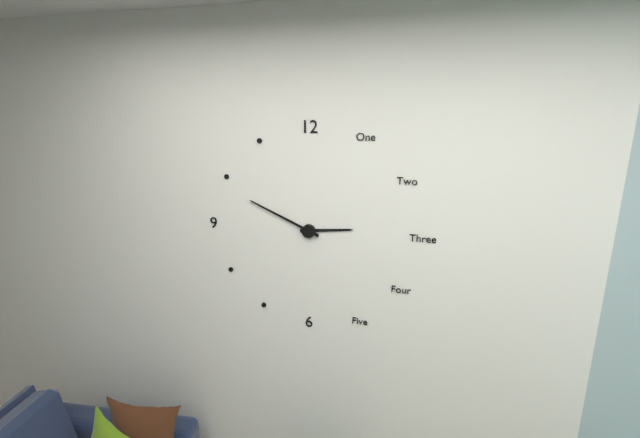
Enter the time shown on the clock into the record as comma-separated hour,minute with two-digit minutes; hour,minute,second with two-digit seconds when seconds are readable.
2,49
